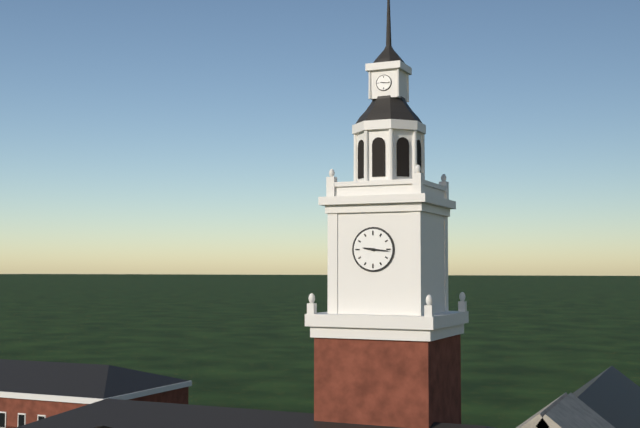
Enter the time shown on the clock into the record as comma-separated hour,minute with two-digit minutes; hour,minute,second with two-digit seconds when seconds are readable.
9,16
